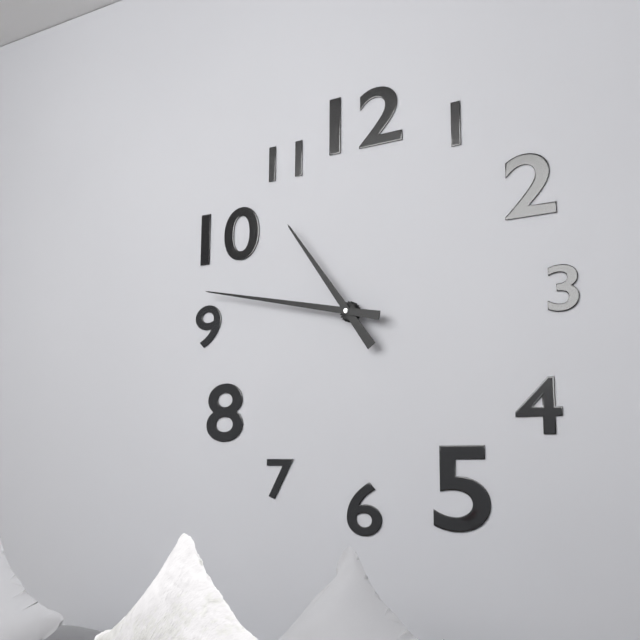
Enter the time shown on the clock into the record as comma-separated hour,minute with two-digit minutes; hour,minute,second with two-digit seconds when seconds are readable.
10,47
